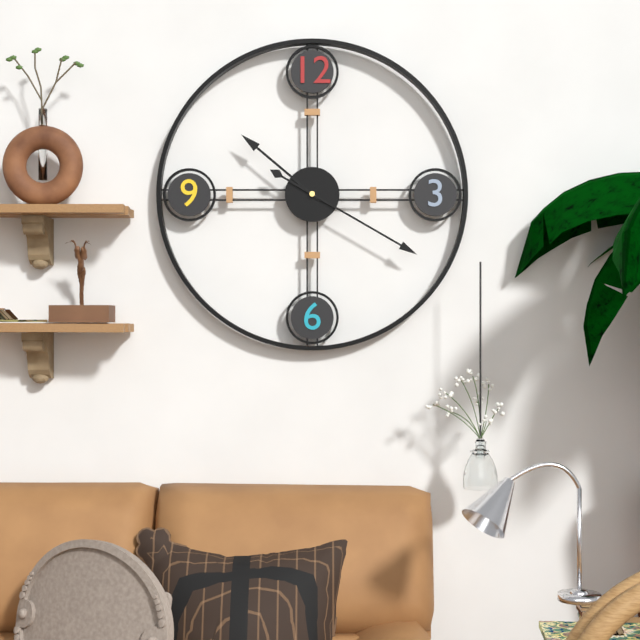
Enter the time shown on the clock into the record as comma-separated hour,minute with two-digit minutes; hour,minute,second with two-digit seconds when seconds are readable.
10,20
